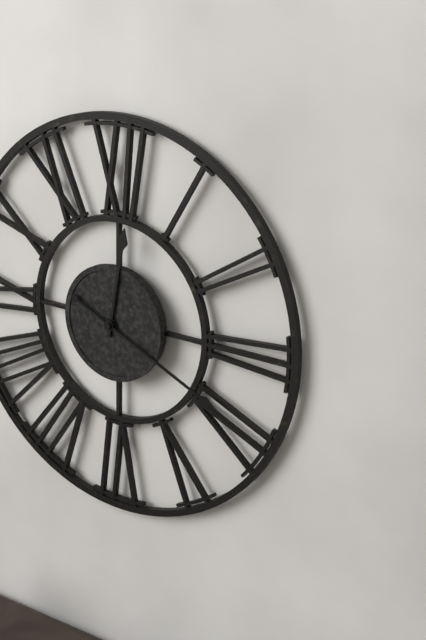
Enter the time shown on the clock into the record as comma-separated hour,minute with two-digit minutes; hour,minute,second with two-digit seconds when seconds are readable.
12,19
